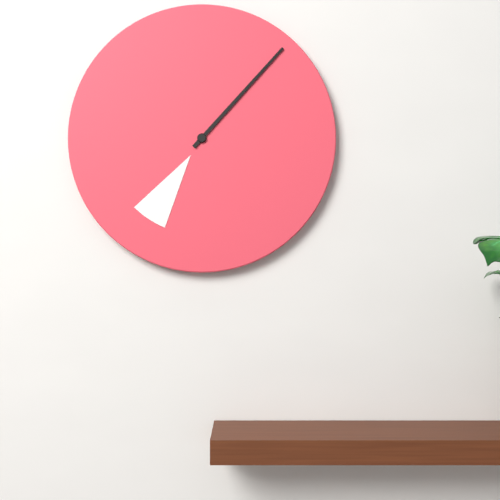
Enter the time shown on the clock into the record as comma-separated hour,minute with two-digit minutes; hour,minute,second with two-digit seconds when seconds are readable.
7,07
